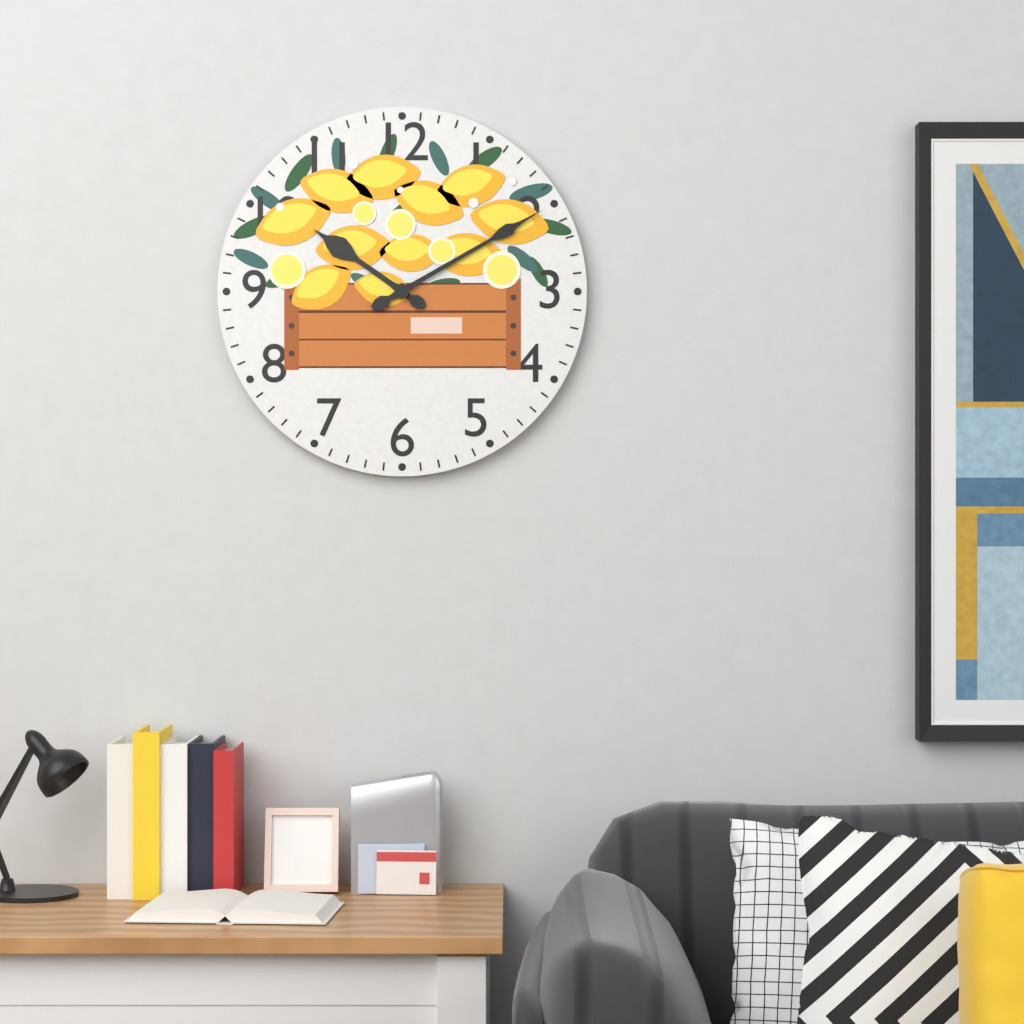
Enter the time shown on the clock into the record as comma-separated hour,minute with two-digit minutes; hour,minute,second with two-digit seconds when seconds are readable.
10,10
